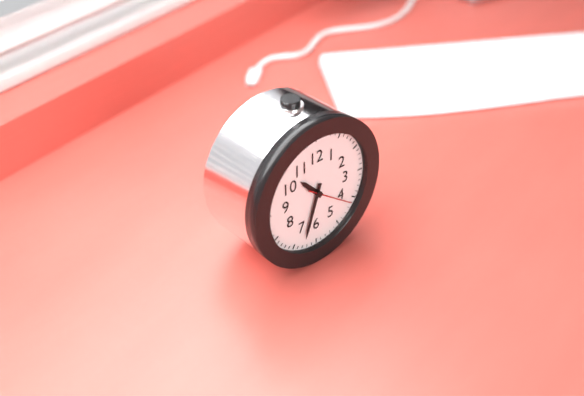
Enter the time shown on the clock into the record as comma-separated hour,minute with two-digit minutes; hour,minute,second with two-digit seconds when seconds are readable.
10,33
